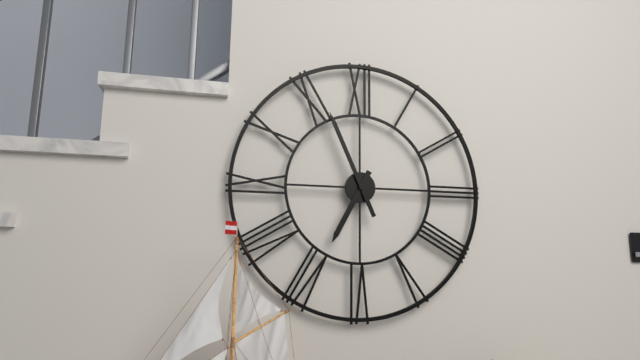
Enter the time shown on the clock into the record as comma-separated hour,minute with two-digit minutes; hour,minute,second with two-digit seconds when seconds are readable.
6,56
